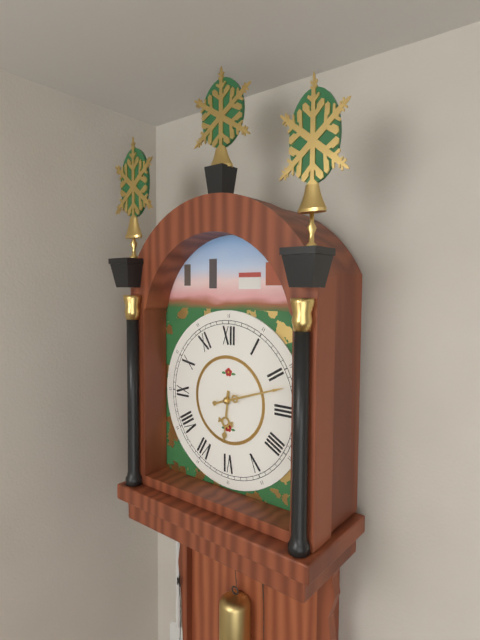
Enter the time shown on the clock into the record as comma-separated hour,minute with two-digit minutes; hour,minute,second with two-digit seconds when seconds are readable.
6,12
